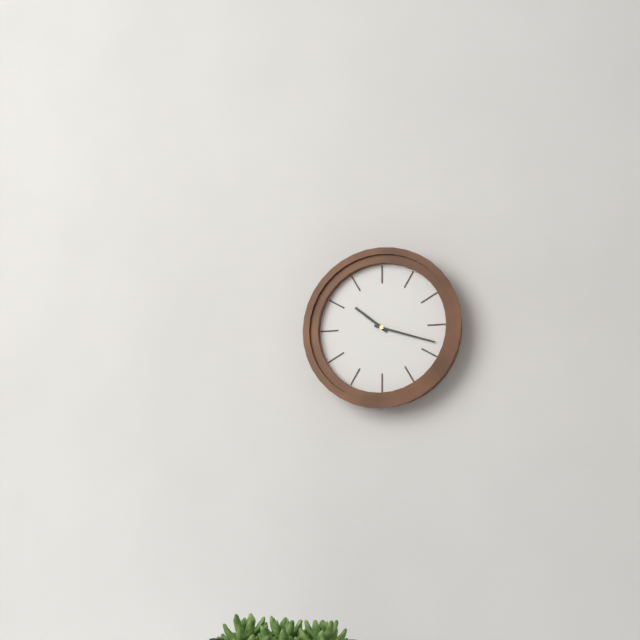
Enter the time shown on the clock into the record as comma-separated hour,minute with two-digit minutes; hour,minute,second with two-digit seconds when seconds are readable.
10,18
